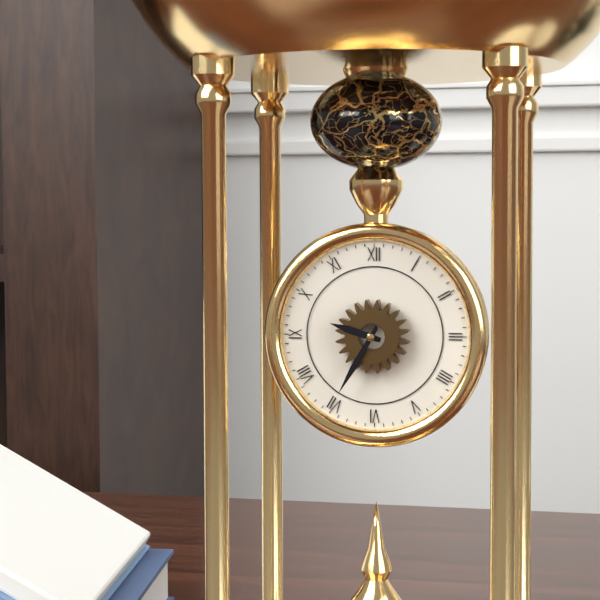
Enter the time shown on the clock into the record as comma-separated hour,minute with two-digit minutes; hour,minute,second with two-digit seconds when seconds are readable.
9,35
